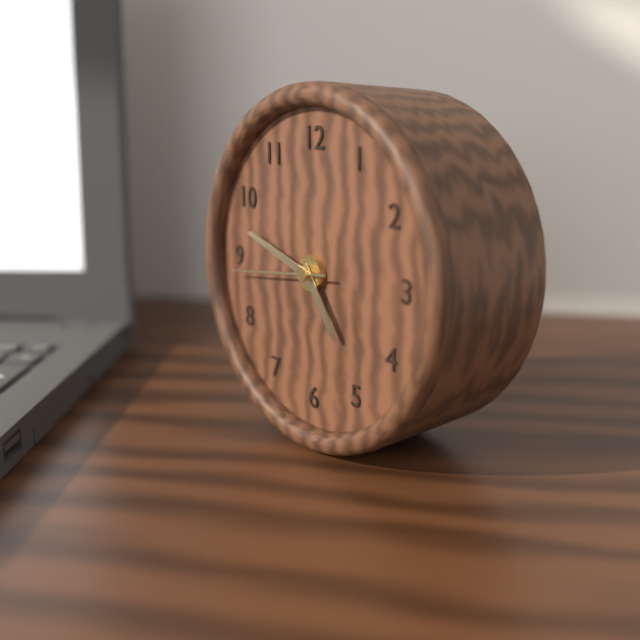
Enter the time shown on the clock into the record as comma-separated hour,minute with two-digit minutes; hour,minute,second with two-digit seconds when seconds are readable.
4,48,44
